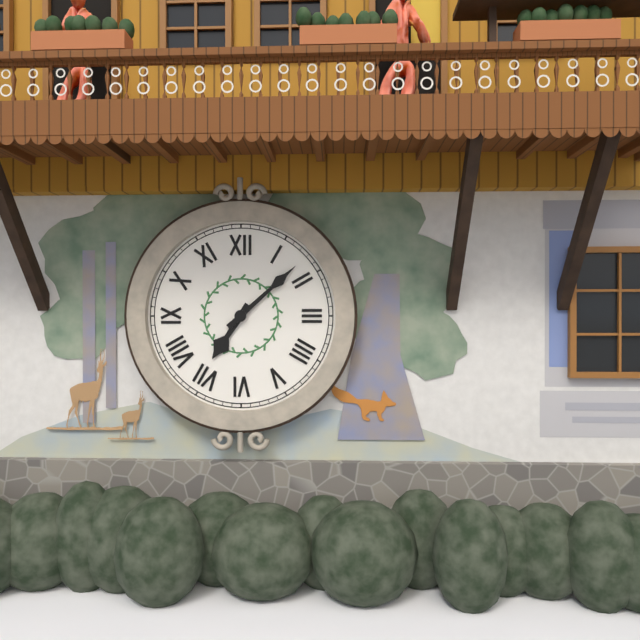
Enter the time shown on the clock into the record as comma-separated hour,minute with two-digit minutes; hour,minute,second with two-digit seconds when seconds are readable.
7,08
